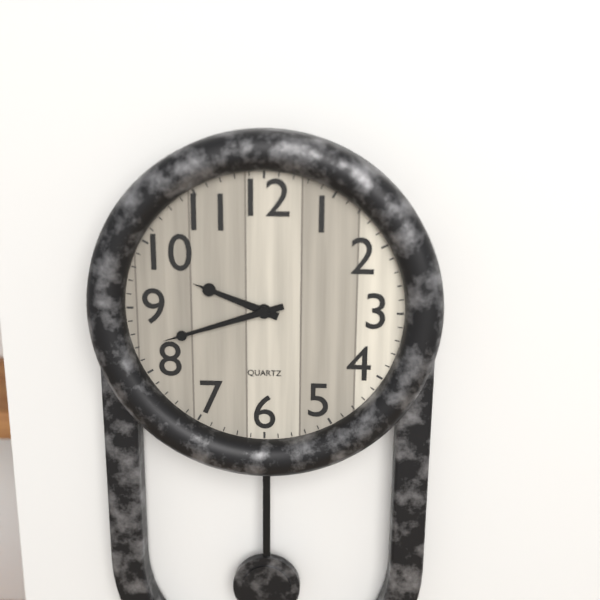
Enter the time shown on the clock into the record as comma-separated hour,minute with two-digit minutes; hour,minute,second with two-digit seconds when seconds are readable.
9,42
